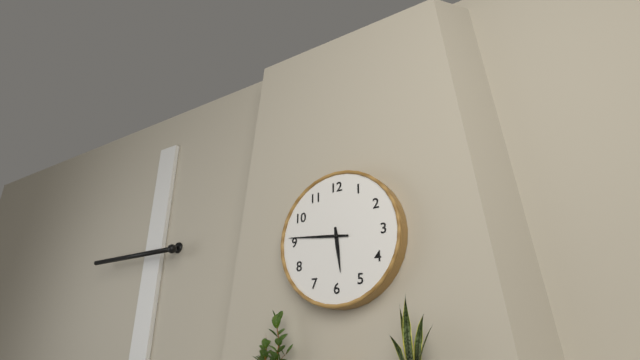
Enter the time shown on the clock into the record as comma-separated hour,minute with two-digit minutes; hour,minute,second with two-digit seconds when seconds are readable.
5,46
